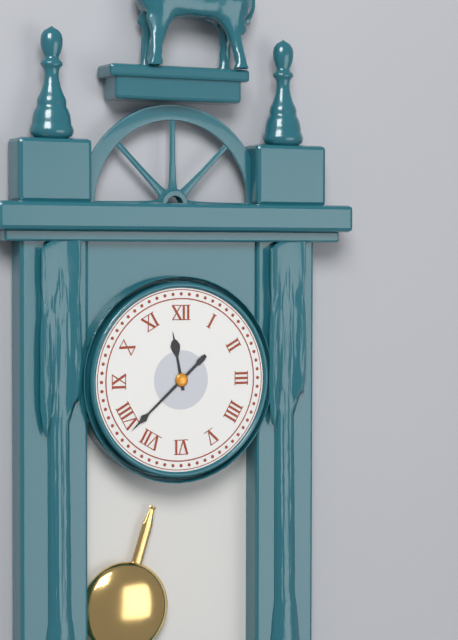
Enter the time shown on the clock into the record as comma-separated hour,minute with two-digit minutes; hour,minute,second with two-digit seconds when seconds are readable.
11,38
